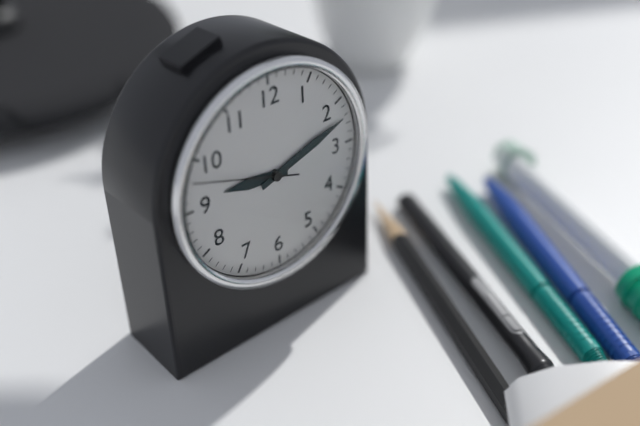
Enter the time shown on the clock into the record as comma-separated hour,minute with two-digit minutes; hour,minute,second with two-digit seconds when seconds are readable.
9,12,48
